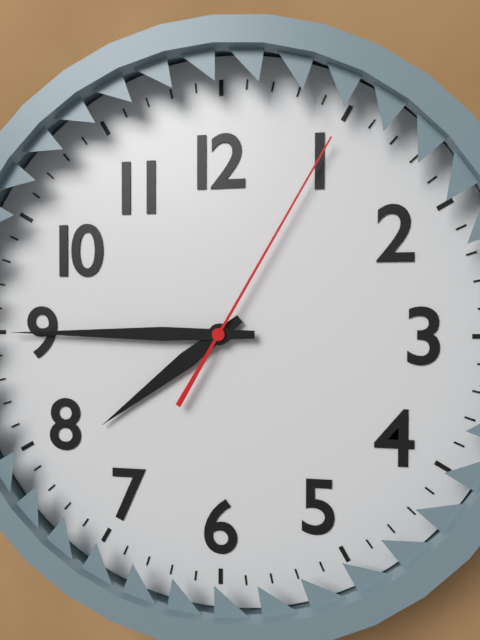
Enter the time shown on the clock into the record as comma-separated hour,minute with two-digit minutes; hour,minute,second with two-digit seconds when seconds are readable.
7,45,05
